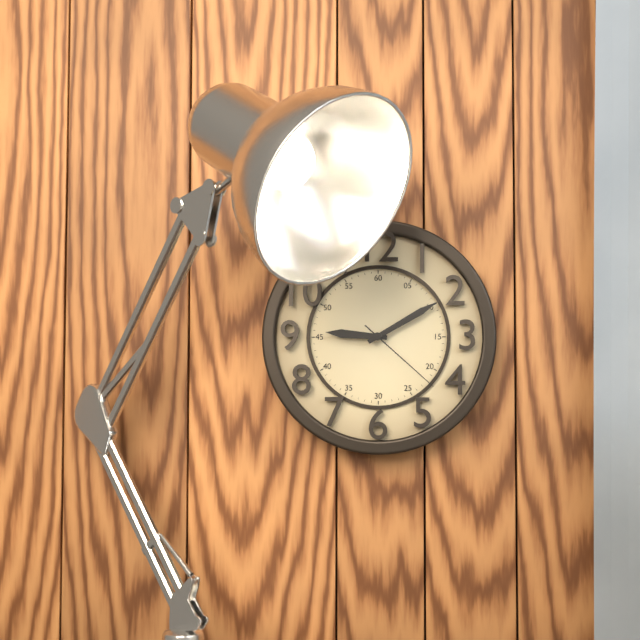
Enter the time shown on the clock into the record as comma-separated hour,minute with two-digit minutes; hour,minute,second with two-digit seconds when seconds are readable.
9,10,22
